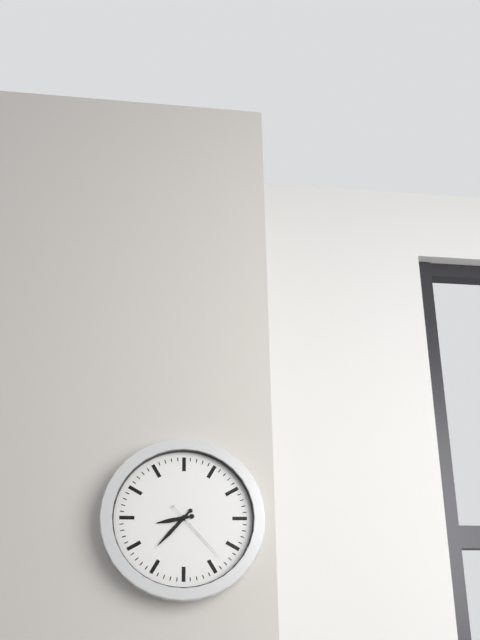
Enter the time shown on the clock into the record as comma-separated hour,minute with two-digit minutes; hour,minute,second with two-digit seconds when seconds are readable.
8,37,23
